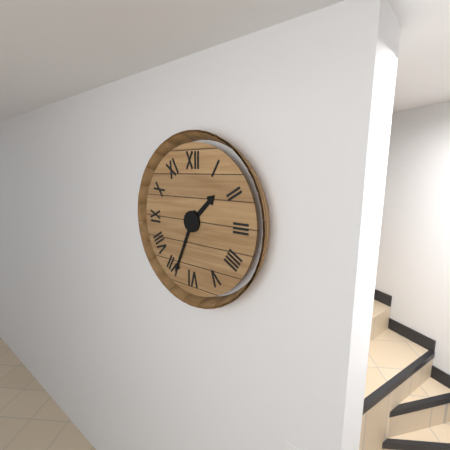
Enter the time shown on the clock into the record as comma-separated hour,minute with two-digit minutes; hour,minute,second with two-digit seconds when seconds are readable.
1,34
